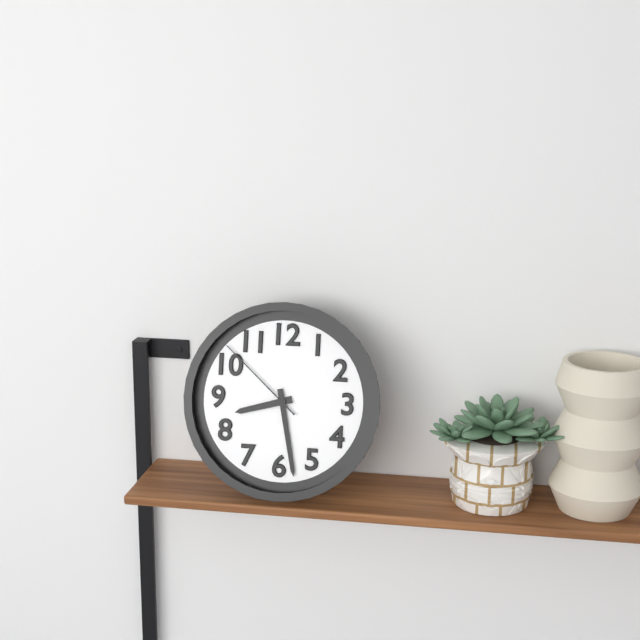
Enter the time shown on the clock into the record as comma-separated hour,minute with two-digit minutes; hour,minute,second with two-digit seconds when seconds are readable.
8,28,52
